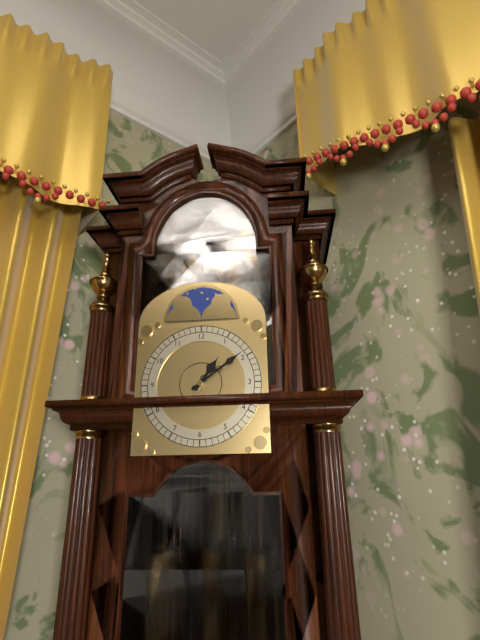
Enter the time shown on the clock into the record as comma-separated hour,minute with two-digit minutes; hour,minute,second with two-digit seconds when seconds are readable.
1,09
